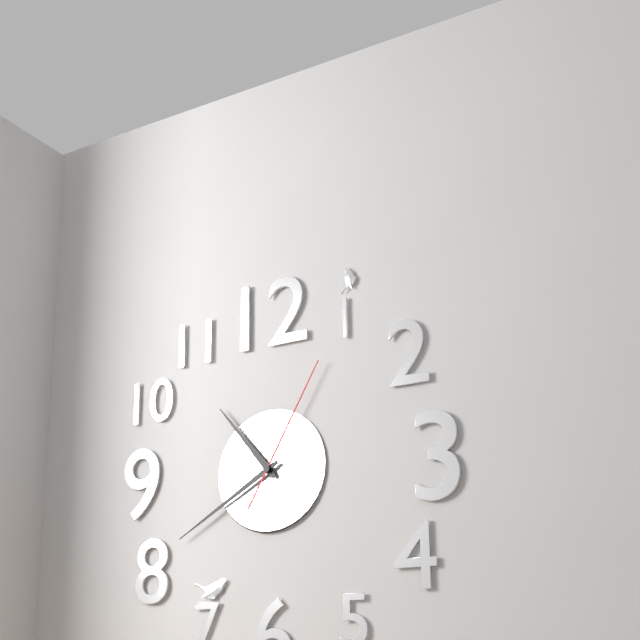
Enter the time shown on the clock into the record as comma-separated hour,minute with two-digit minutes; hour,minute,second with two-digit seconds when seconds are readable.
10,40,05
